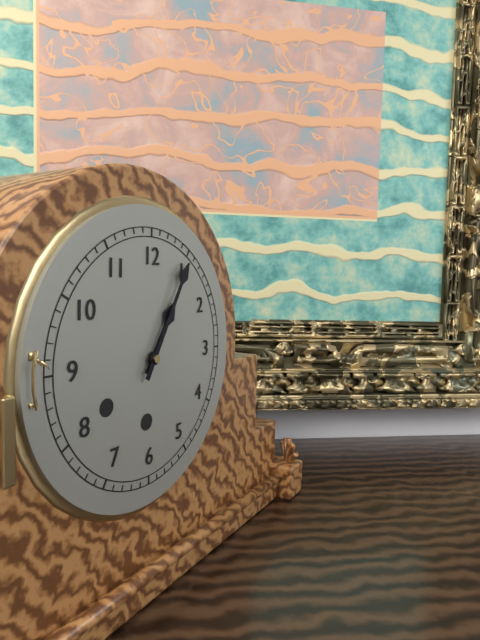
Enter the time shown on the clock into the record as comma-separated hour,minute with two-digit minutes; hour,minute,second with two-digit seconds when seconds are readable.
1,05
